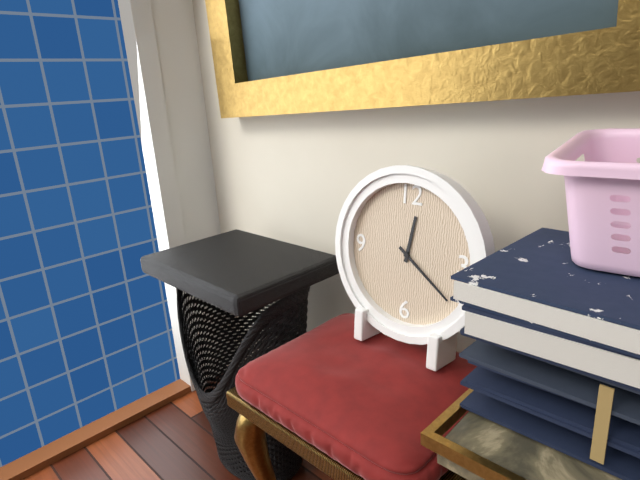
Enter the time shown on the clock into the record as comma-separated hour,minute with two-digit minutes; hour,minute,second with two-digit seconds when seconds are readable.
12,21
